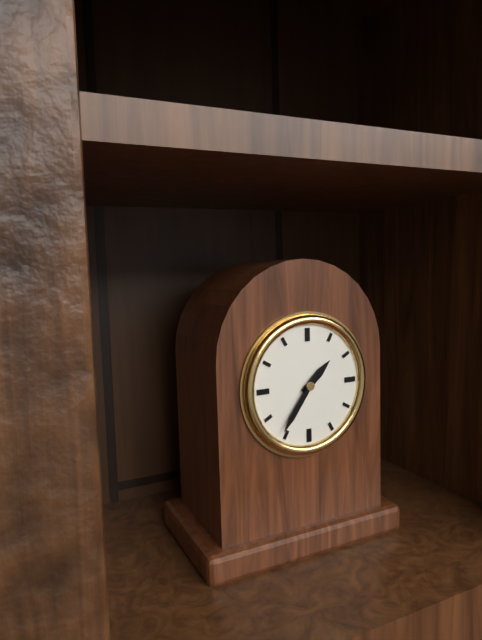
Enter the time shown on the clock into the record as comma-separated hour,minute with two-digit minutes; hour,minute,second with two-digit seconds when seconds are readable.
1,36
